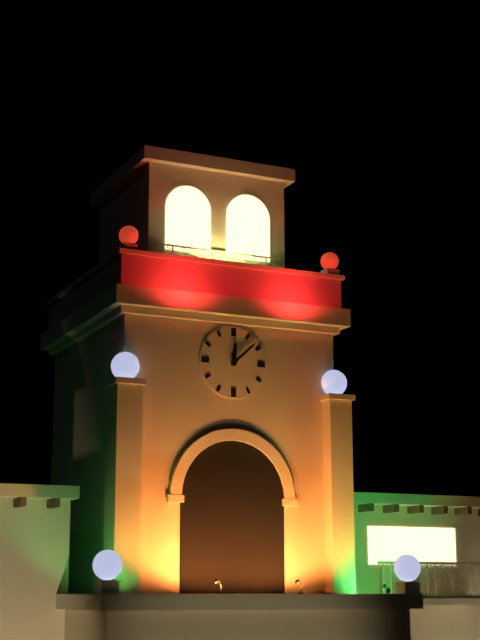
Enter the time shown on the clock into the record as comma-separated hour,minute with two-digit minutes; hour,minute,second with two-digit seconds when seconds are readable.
12,08
